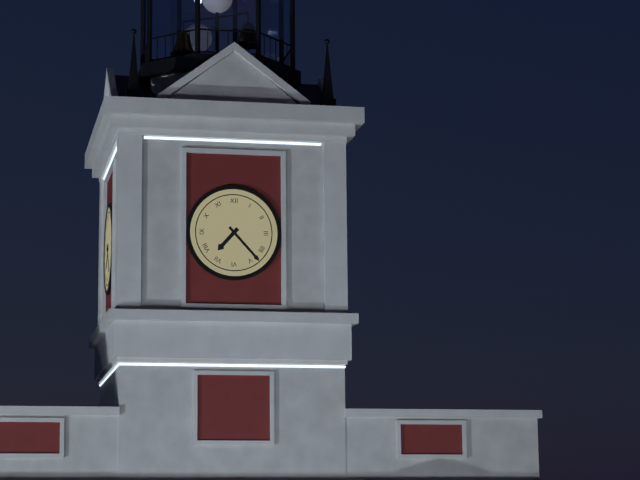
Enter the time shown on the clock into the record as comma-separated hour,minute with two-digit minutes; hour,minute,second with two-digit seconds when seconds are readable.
7,23
